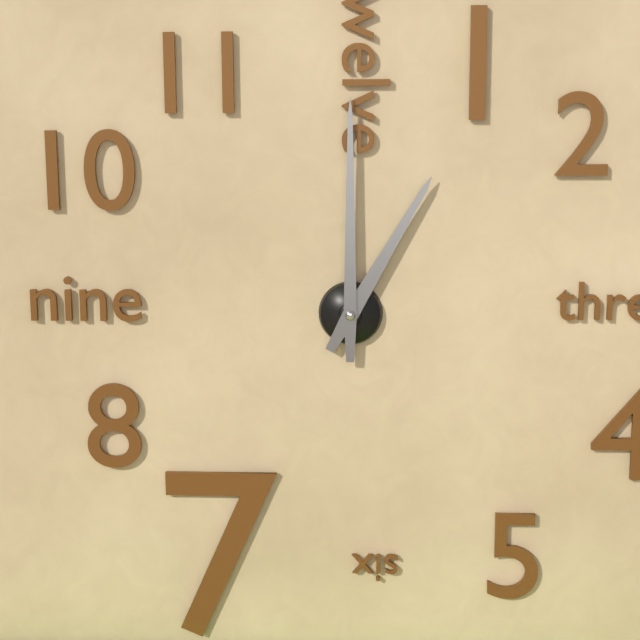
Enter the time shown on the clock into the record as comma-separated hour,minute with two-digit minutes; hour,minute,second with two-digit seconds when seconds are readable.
1,00
